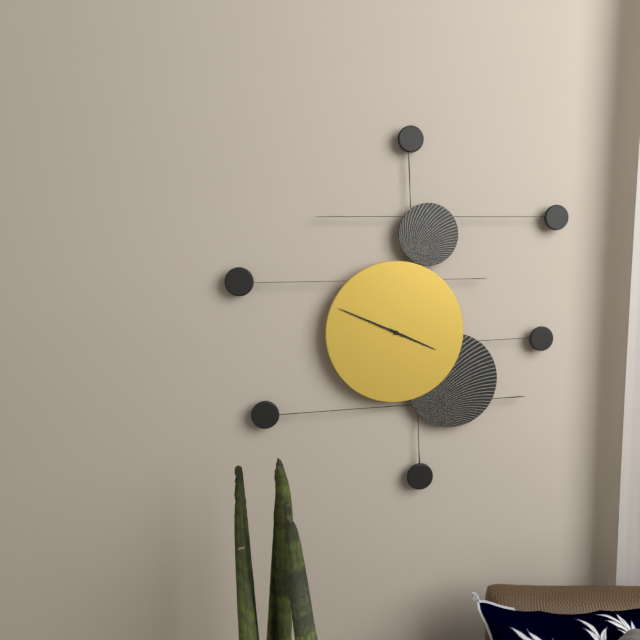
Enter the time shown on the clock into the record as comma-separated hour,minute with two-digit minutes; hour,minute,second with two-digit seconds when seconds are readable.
3,49
